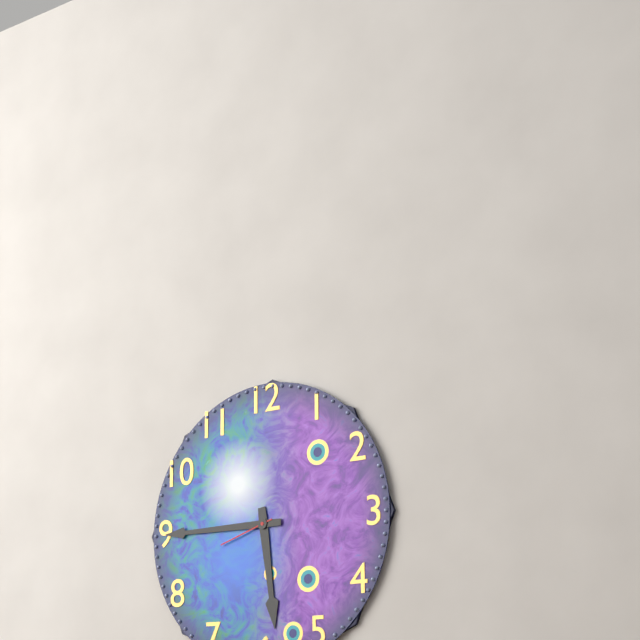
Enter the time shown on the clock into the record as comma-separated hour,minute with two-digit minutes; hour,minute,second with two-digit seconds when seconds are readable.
5,45,42
